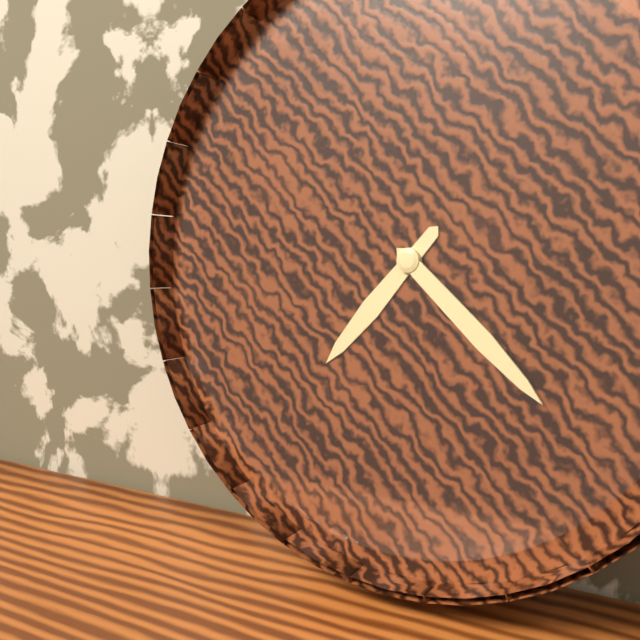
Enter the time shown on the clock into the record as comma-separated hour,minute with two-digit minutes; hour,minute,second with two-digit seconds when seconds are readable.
7,22
